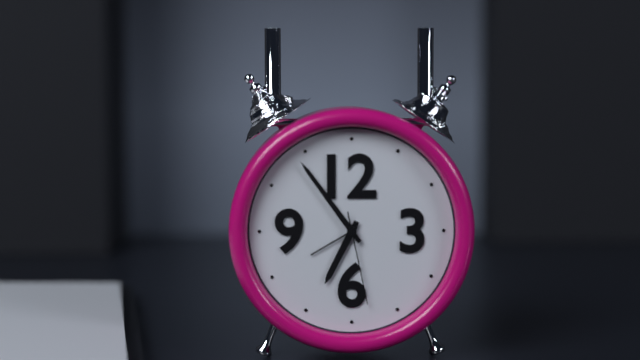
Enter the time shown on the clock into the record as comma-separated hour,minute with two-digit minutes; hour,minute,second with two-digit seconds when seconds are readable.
6,54,28
